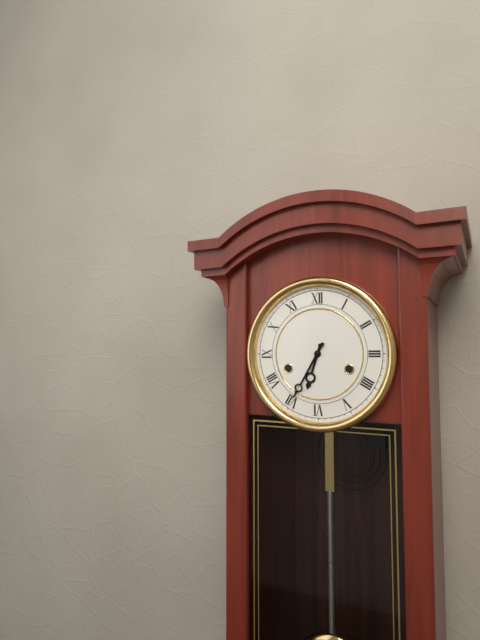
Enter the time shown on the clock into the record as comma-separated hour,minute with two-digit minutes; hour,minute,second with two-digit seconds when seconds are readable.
6,35
